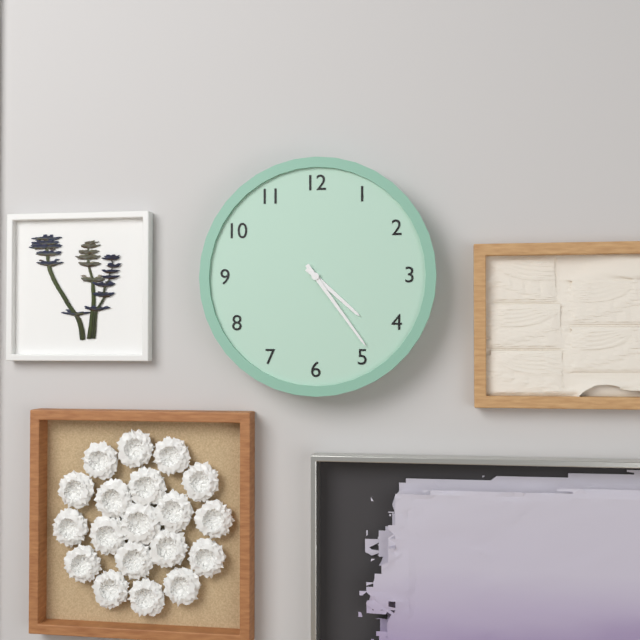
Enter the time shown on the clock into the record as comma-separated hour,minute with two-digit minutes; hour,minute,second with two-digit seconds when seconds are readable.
4,24
